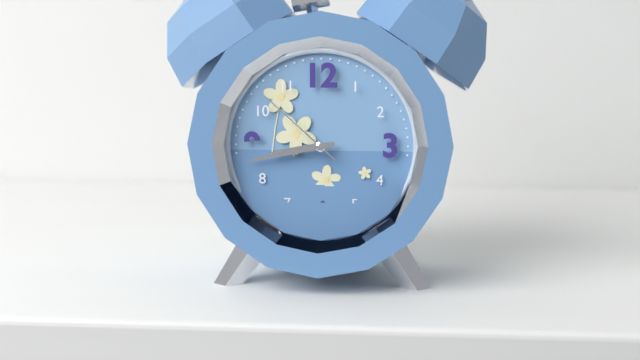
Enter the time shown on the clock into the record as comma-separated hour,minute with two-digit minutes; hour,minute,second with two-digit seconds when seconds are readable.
8,43,52
